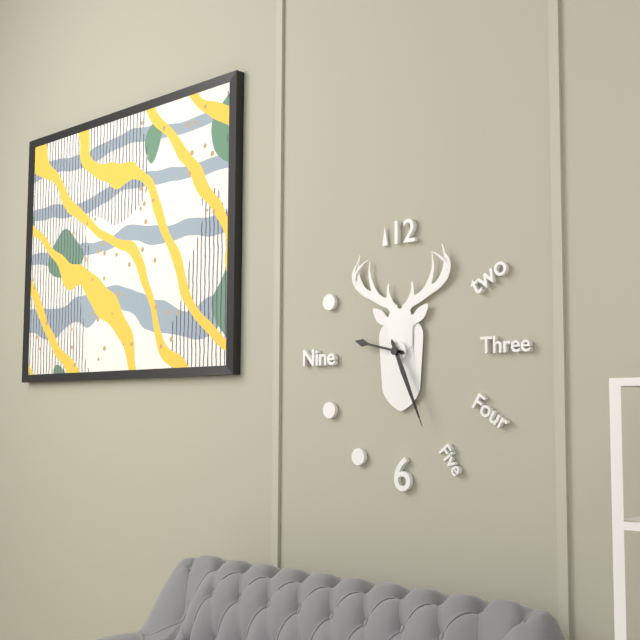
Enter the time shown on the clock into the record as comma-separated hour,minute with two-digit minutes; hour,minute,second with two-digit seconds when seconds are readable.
9,26
